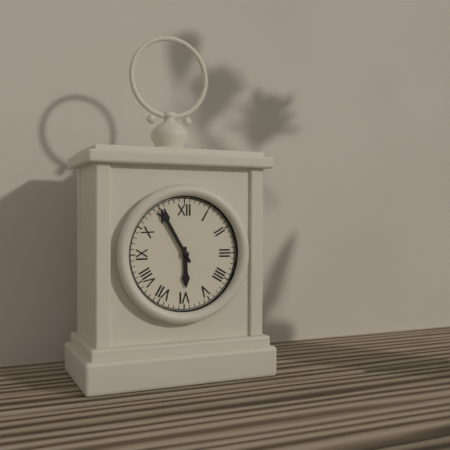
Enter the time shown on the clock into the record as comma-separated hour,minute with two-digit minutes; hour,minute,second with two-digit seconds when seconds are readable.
5,55
